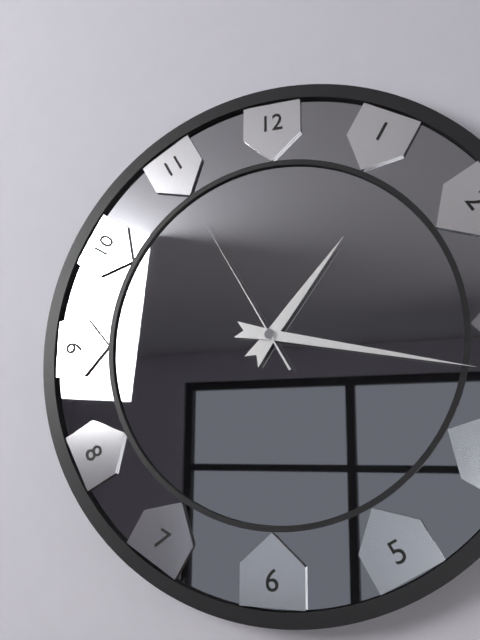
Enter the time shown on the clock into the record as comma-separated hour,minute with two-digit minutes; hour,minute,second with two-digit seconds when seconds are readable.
1,17,55
